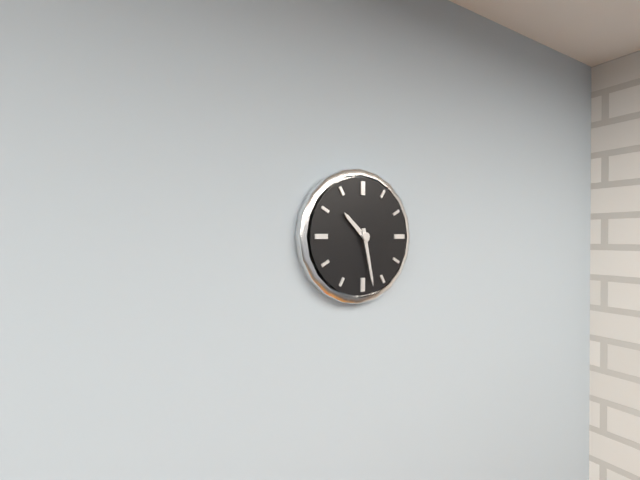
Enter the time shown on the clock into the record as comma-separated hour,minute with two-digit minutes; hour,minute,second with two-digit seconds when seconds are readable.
10,28
